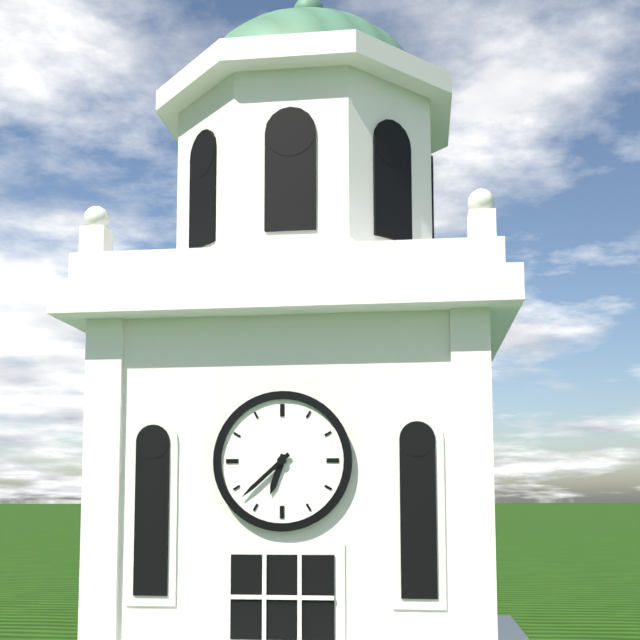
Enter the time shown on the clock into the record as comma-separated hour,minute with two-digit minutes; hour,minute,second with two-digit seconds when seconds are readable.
6,38
